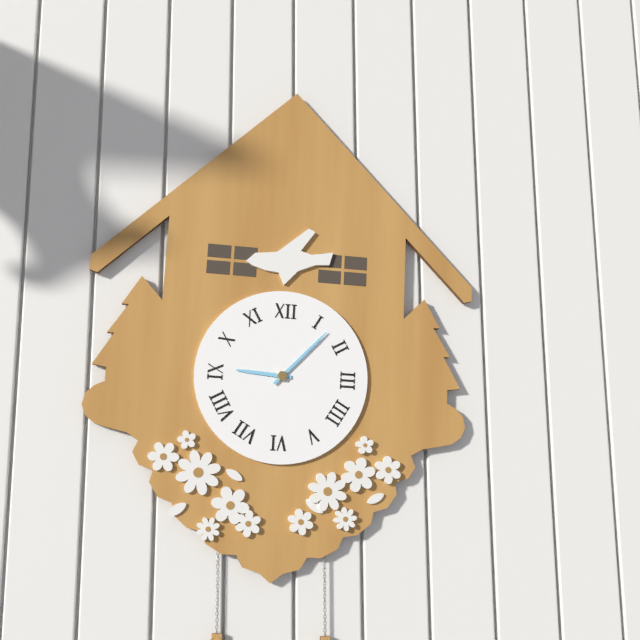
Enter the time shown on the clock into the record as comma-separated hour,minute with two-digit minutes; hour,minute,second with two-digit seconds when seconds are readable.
9,07
